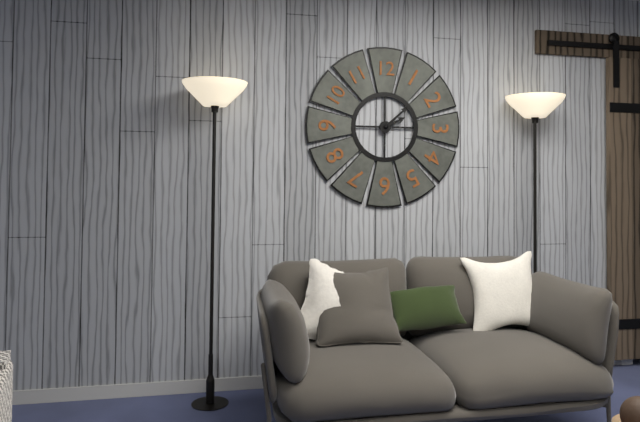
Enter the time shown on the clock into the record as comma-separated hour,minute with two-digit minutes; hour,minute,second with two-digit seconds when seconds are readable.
2,08
